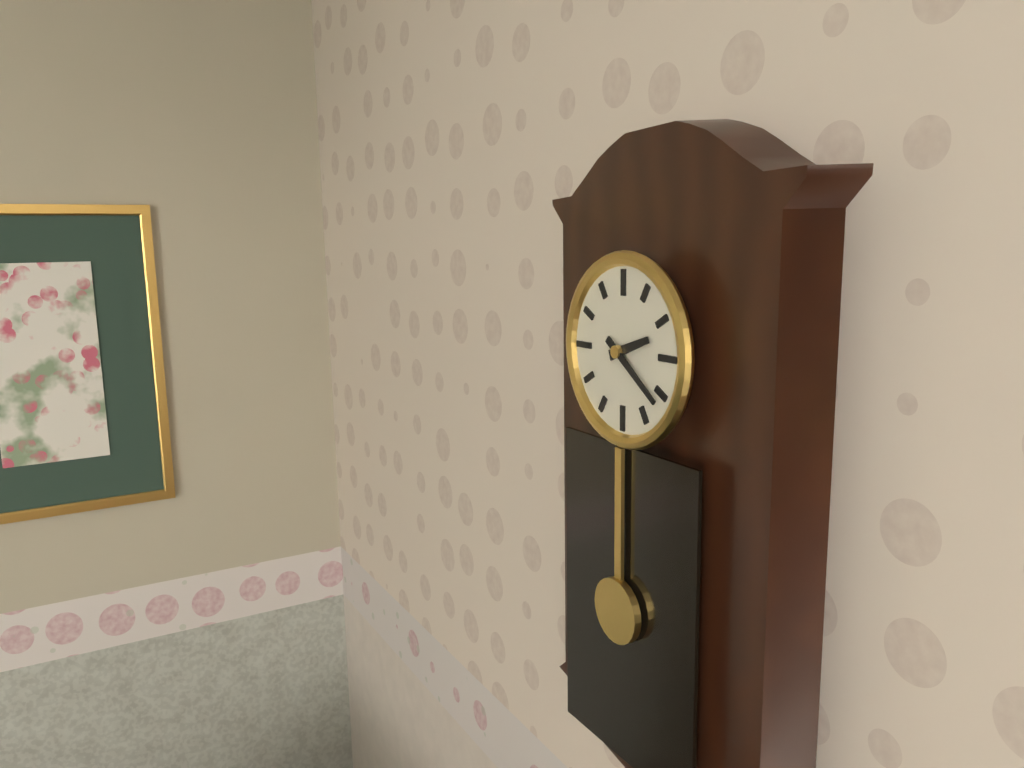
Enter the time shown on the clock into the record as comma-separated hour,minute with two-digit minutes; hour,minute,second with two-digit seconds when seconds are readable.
2,21
